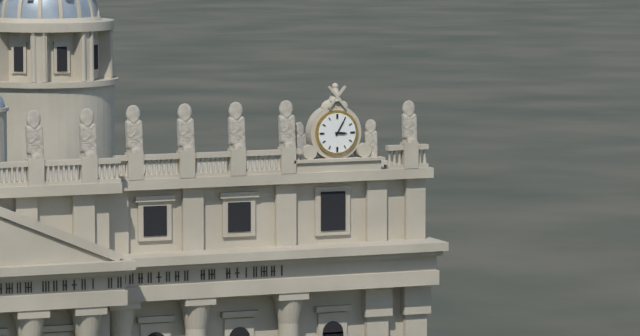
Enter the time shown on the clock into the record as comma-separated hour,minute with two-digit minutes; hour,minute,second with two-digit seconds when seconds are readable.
3,05
